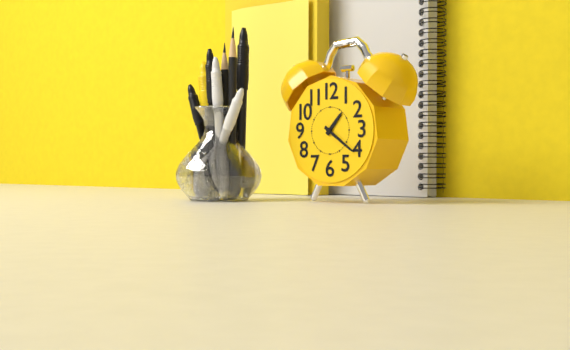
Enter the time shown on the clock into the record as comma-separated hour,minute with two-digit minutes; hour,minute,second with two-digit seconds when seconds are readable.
1,21
